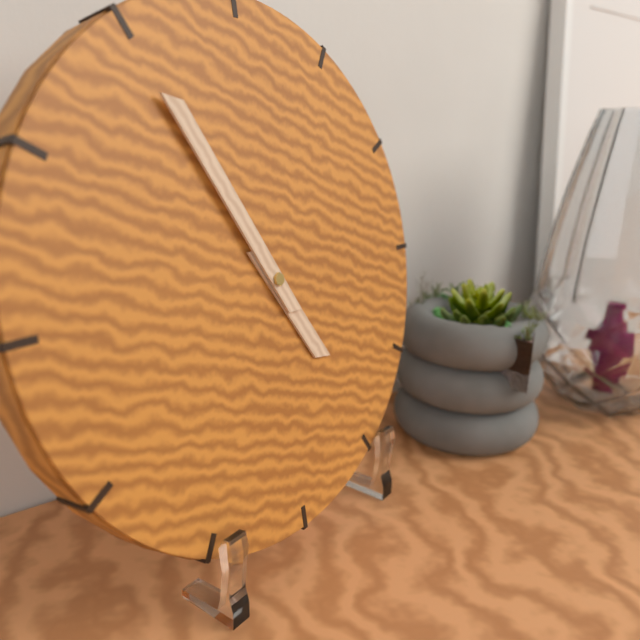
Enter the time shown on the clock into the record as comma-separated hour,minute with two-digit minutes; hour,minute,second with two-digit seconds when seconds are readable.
4,55
